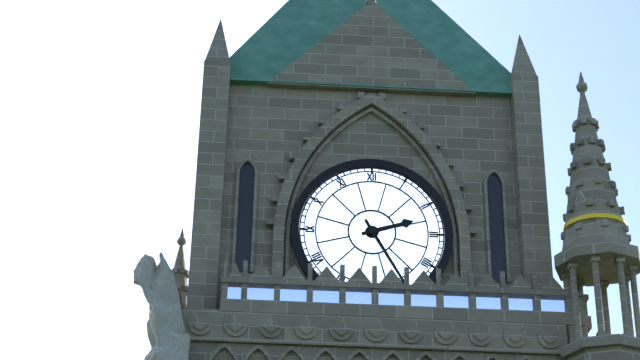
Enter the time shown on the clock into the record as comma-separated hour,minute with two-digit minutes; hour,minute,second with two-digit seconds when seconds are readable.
2,25
